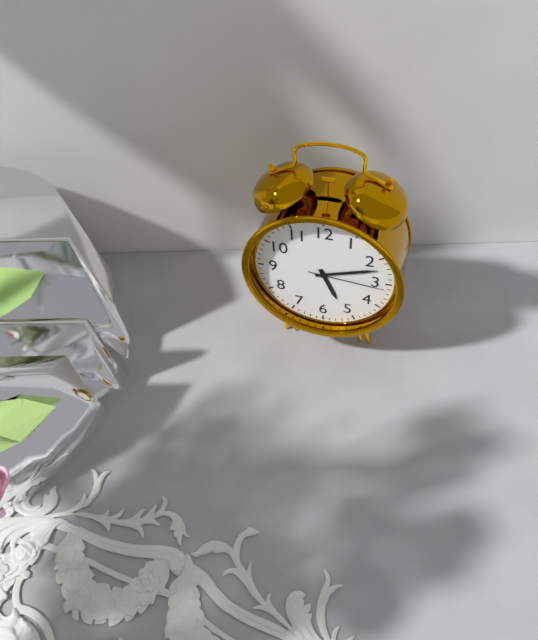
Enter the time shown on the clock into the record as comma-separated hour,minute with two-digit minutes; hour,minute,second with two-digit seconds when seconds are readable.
5,12,16
